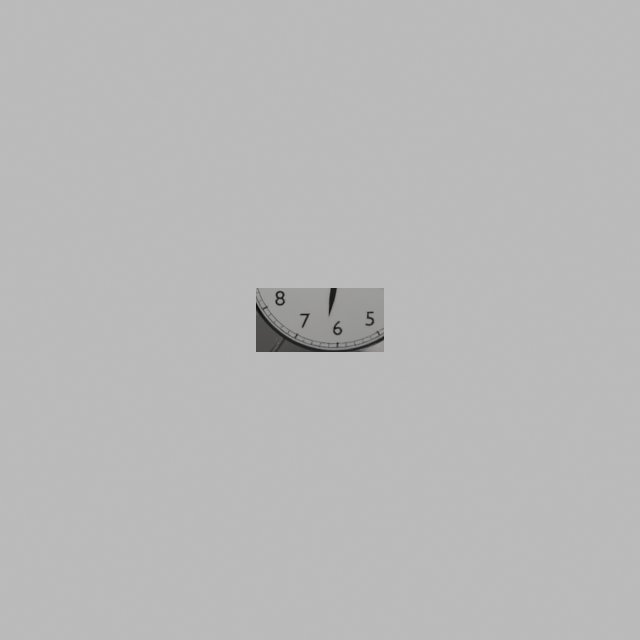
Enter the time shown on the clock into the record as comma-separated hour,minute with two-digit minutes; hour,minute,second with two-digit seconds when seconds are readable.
6,19,08
